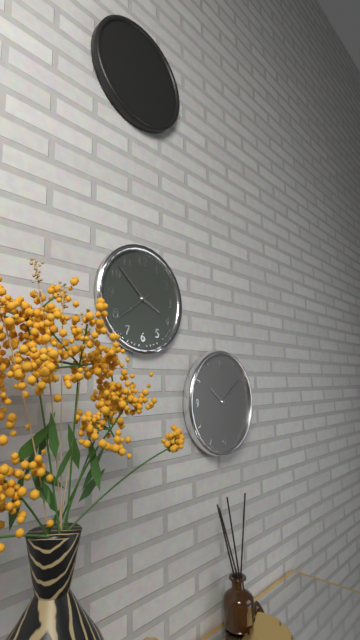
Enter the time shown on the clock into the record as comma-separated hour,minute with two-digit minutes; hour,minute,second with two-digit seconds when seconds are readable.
3,52
